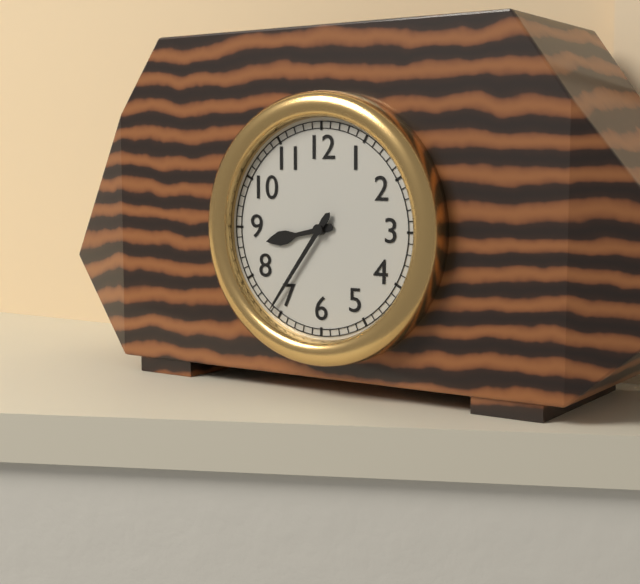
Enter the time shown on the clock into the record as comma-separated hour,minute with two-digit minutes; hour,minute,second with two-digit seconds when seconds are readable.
8,36
